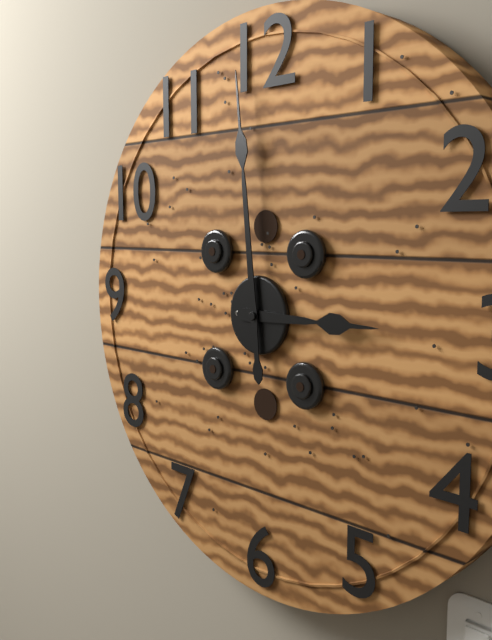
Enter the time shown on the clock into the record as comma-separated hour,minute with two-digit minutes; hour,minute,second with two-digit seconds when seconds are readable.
2,59
